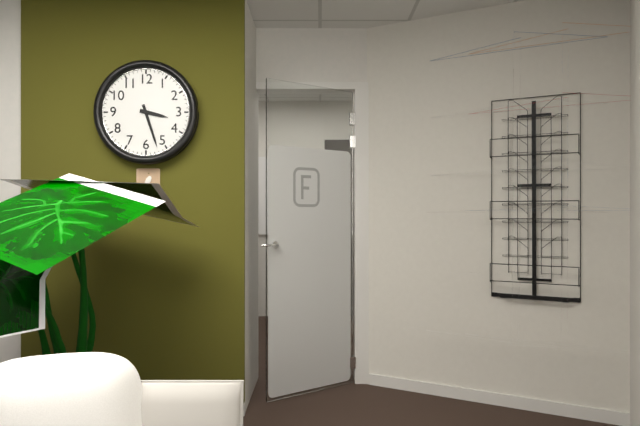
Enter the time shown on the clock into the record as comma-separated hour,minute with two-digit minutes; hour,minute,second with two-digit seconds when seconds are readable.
3,27
